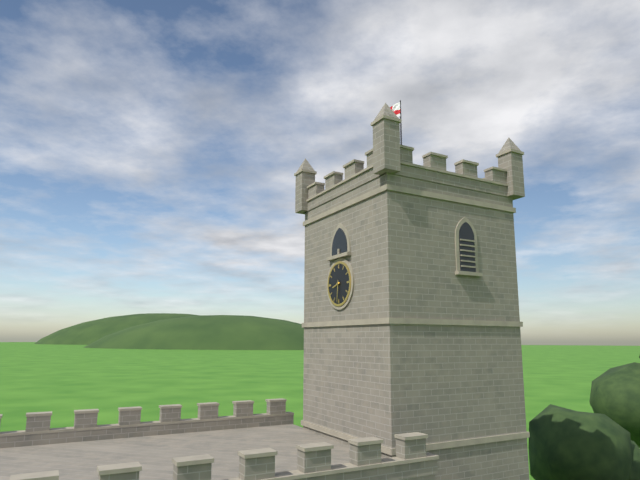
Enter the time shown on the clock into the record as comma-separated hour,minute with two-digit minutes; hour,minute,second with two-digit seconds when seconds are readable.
8,31
